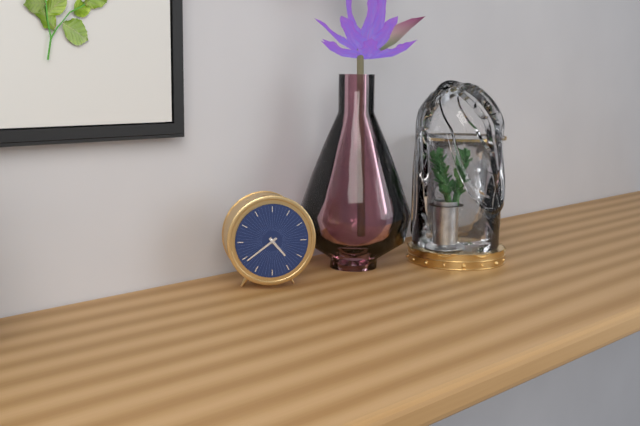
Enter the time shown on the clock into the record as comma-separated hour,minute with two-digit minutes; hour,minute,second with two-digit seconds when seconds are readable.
4,39
